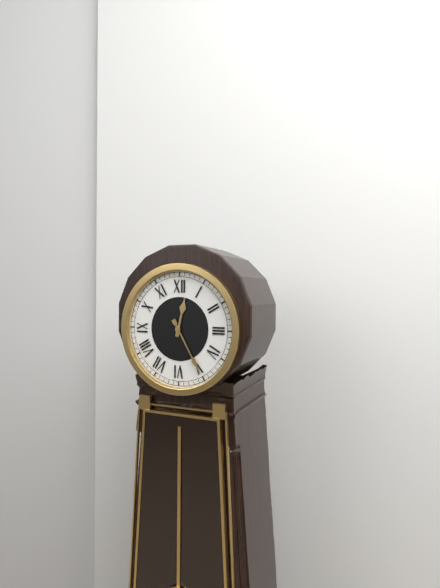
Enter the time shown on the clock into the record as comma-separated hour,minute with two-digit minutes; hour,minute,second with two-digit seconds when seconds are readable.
12,25
